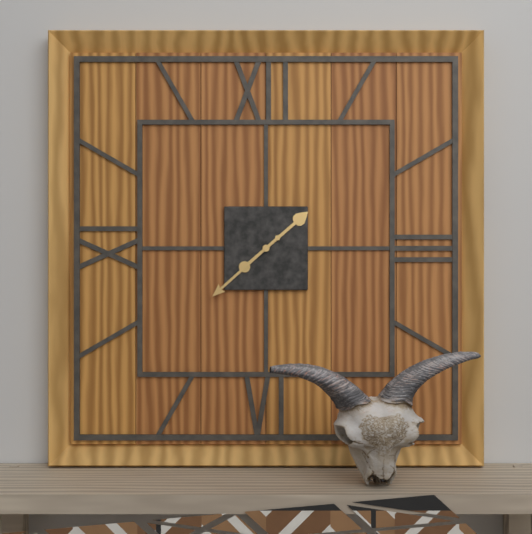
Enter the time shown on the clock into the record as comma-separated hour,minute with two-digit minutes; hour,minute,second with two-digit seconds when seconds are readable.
1,38
